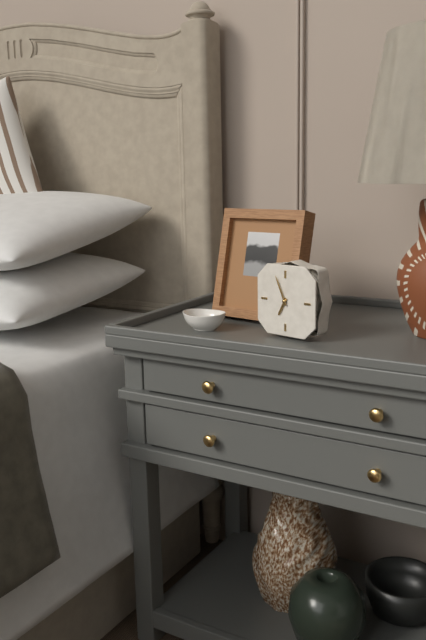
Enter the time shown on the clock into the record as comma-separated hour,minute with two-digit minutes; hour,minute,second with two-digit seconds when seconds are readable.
6,56
